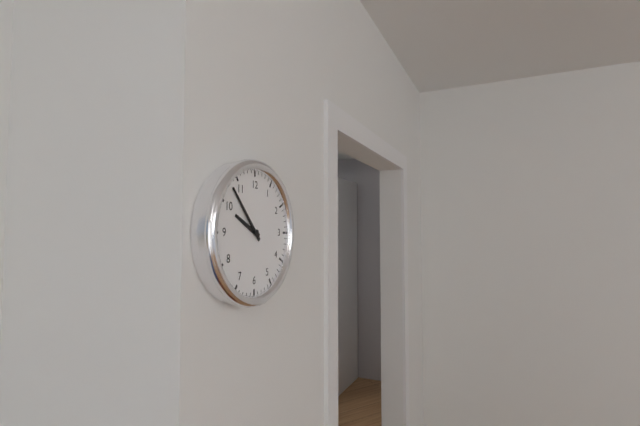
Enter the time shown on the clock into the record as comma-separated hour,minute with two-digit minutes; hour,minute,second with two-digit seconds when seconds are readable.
9,53
